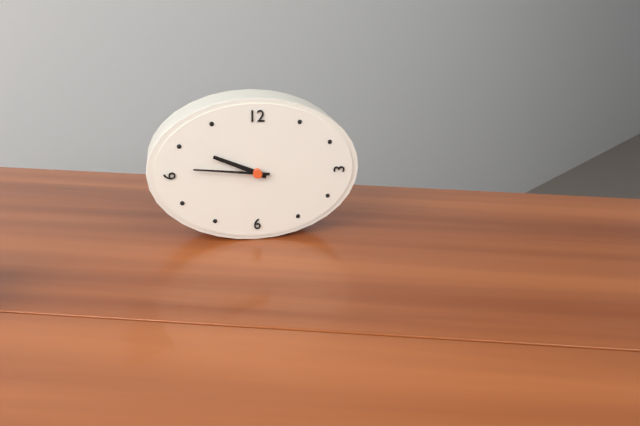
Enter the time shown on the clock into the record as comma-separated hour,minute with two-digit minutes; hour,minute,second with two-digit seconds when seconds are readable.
9,46
